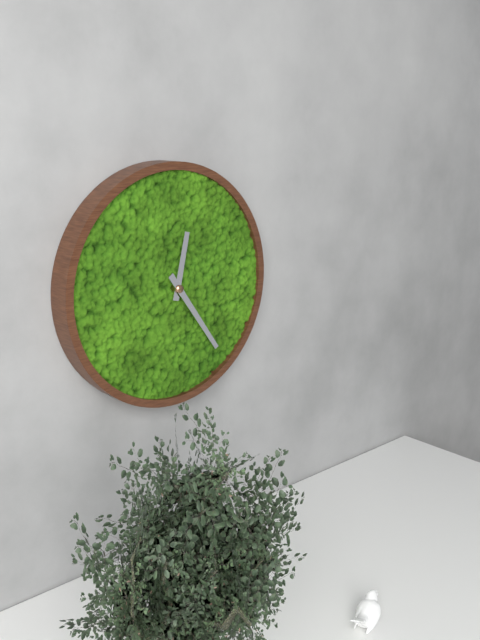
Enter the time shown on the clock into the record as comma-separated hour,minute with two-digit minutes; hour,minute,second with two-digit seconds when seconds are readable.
12,24
